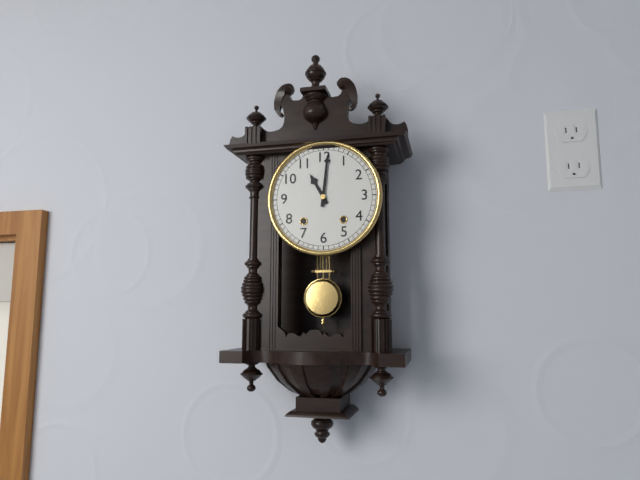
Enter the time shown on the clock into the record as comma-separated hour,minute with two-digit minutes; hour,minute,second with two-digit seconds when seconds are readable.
11,01
